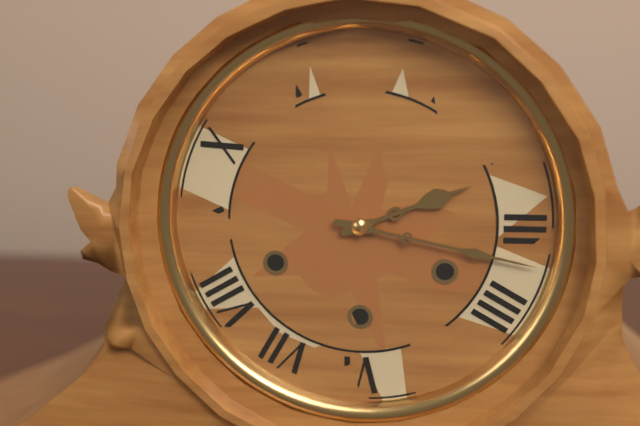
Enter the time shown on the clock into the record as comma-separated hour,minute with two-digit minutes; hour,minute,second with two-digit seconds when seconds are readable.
2,17
